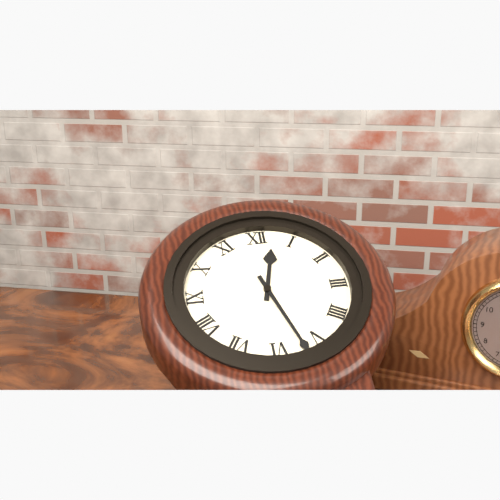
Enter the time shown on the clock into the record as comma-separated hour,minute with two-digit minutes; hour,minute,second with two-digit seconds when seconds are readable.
12,27
